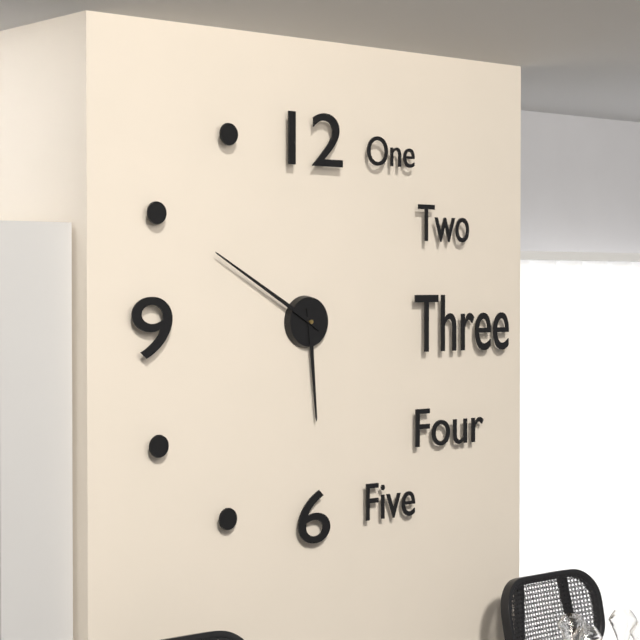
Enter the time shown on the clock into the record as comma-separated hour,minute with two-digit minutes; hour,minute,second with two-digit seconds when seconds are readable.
5,50
